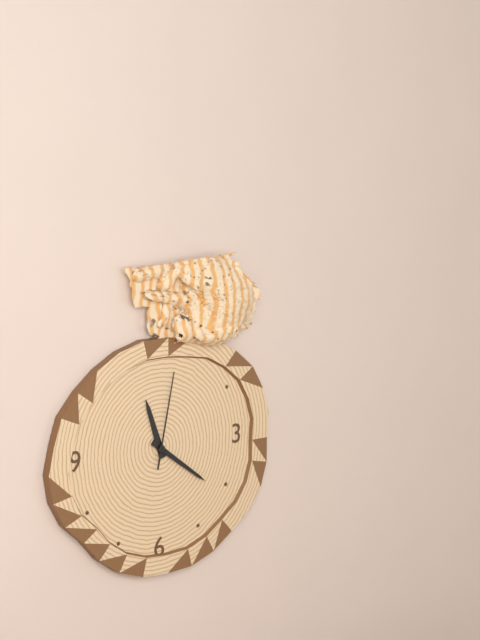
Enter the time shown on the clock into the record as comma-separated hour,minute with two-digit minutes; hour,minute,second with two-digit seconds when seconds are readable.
11,21,02
